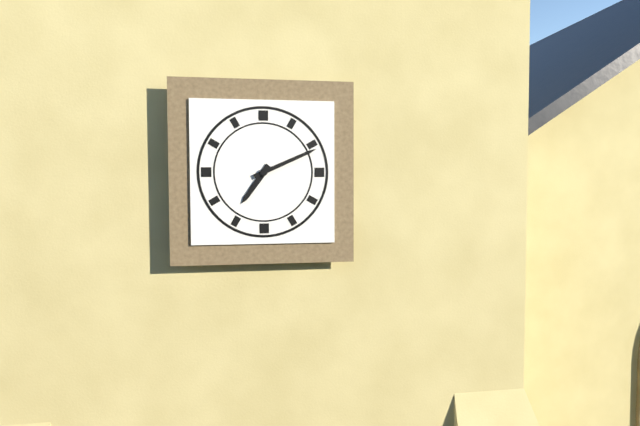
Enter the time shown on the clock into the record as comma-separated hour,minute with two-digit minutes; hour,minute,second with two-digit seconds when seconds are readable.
7,11
